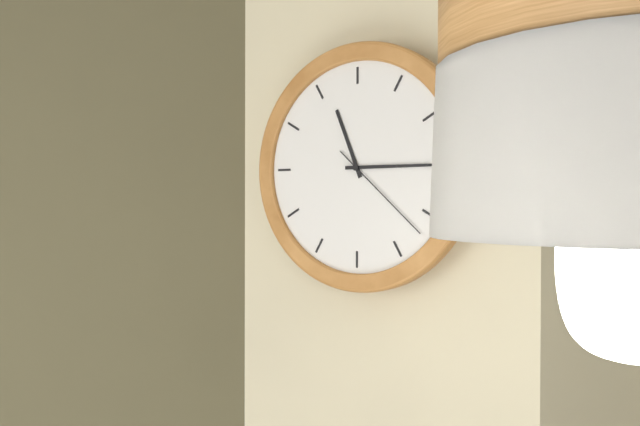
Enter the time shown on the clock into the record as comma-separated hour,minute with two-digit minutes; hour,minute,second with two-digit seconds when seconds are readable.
11,15,22
